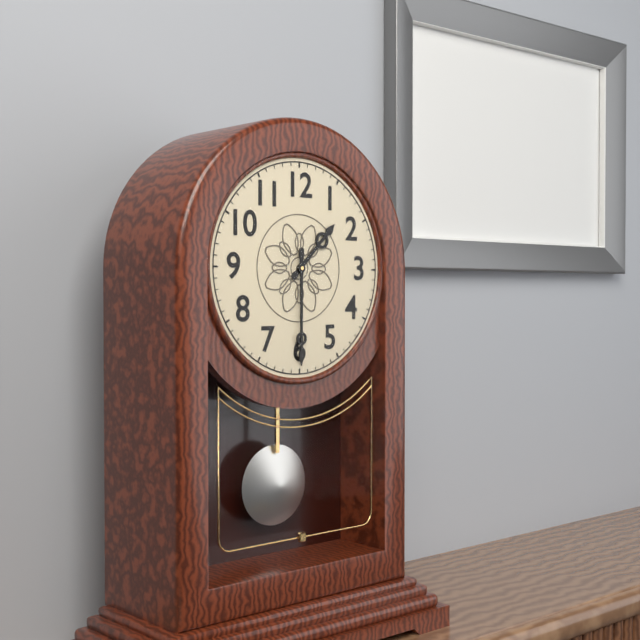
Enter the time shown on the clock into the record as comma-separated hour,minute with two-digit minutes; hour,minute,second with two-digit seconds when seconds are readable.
1,30
